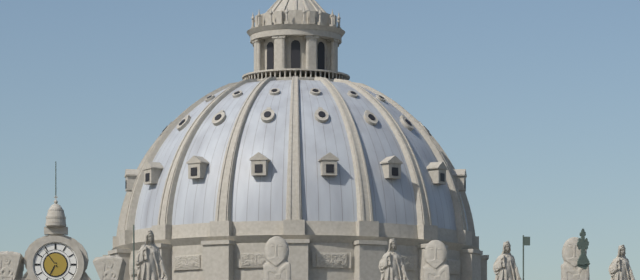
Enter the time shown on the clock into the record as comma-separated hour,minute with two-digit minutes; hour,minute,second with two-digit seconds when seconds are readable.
6,54
